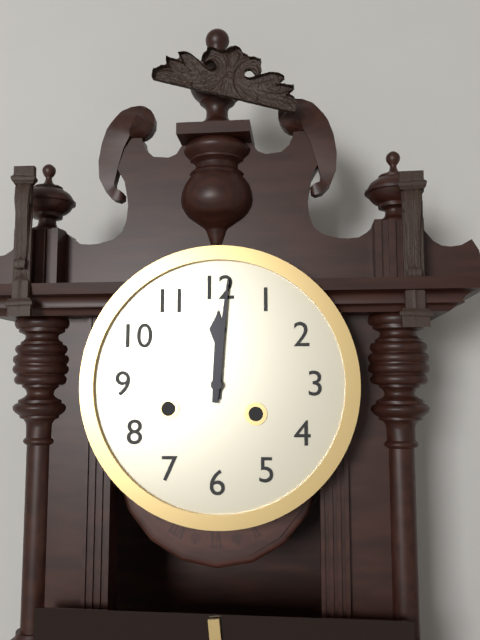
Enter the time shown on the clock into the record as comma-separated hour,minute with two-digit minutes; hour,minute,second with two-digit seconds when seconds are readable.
12,01
